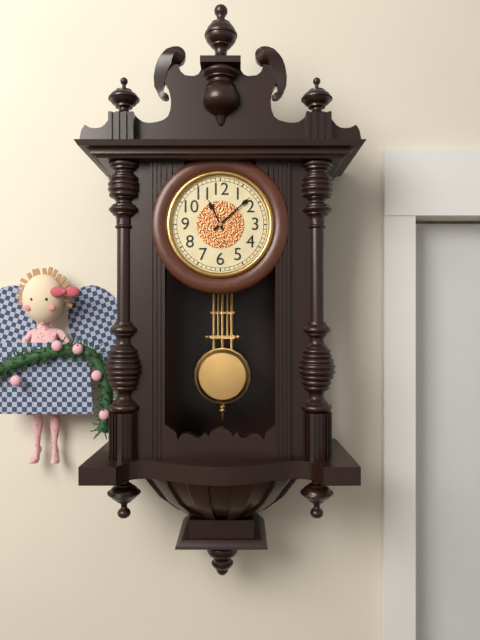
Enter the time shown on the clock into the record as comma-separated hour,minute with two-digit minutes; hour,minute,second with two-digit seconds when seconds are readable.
11,08
